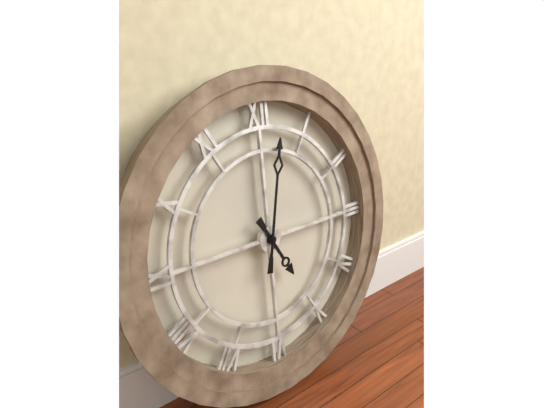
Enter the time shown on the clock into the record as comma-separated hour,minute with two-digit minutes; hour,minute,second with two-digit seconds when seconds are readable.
5,02
